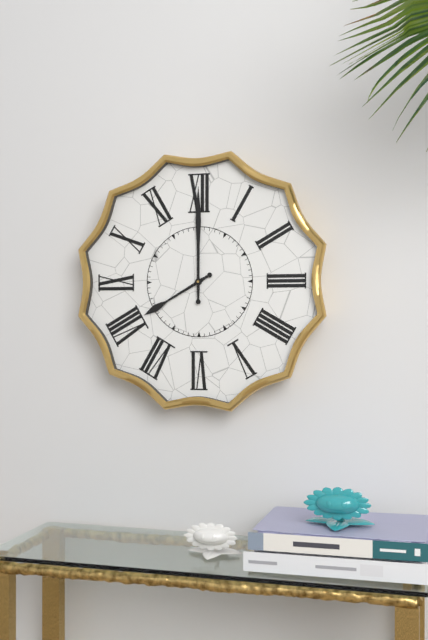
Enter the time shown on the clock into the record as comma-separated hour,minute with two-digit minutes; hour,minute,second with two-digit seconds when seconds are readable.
8,00
